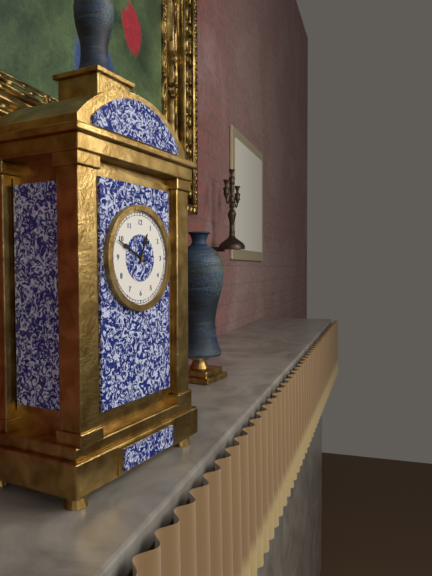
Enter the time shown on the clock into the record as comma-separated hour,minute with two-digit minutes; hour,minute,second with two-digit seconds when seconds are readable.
12,49
